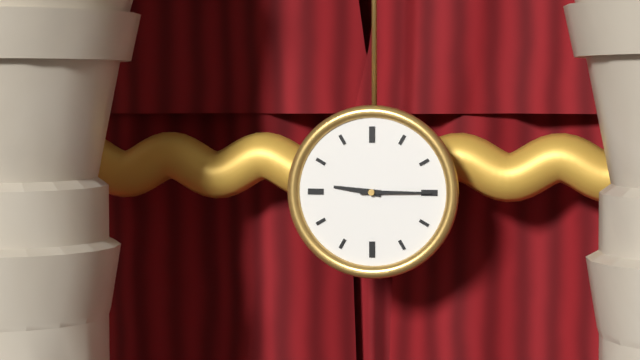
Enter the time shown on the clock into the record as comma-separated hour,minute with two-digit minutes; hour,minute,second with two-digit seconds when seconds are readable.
9,15
